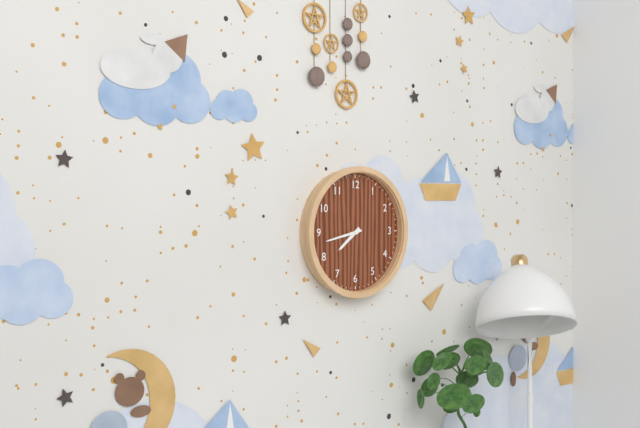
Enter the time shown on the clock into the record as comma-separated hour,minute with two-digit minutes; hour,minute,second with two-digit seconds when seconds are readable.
7,43
